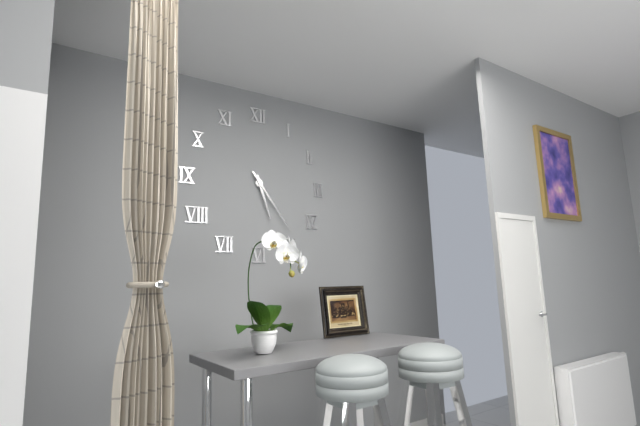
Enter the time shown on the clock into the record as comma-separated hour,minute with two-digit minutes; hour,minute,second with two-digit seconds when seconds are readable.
5,24
